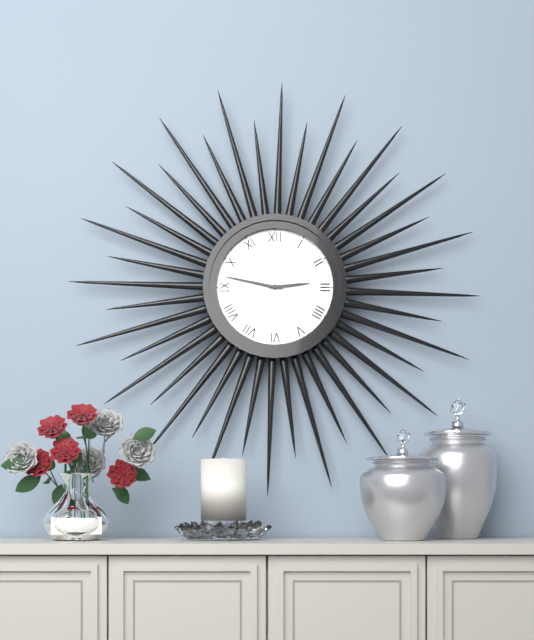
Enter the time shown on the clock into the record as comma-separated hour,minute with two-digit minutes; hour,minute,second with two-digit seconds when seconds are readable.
2,47
